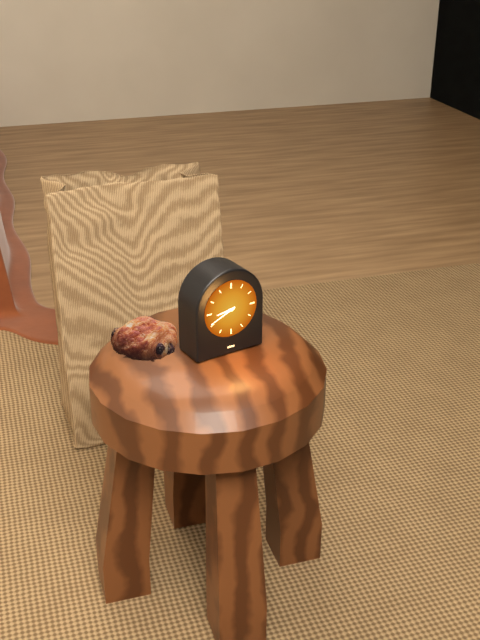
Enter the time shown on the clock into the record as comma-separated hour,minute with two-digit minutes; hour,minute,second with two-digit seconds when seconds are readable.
8,41
